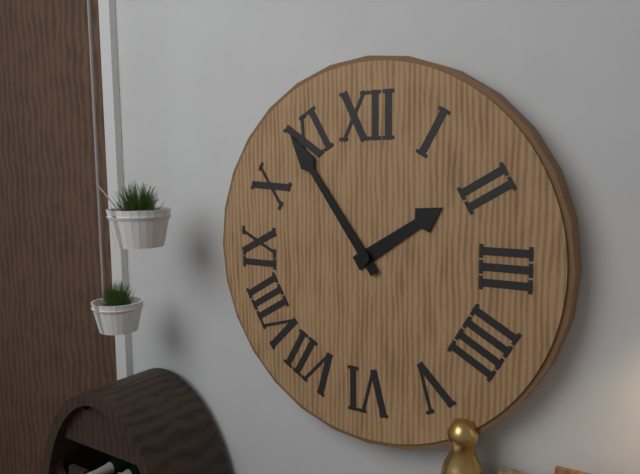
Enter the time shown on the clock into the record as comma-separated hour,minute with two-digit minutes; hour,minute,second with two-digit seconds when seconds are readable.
1,54
